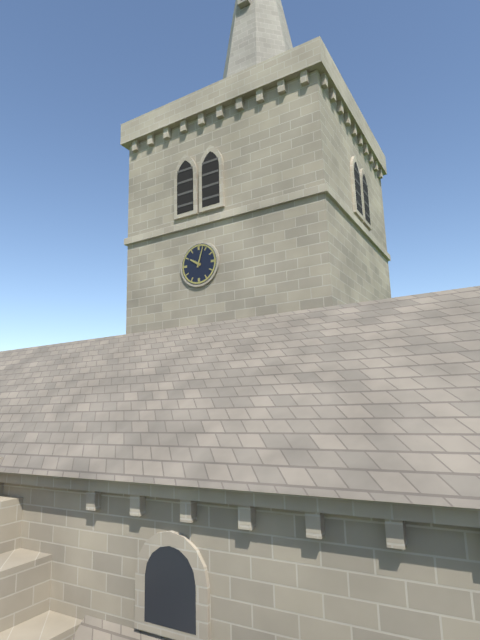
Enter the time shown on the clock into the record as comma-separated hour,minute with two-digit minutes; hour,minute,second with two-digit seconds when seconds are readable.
10,03
